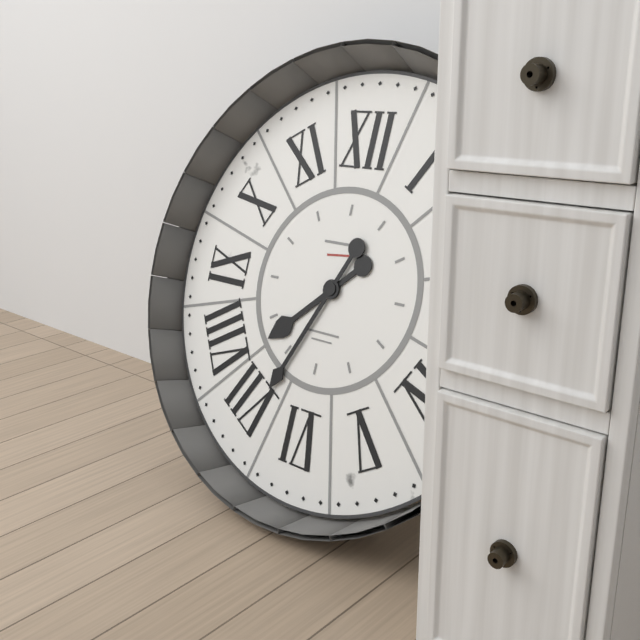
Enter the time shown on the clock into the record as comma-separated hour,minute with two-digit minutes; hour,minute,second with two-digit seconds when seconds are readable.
7,34
